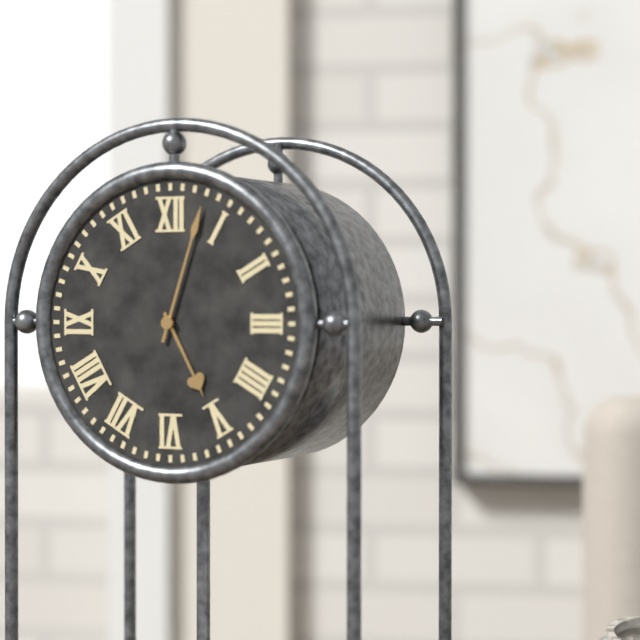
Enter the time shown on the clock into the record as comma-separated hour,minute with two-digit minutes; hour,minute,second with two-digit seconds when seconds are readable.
5,03
